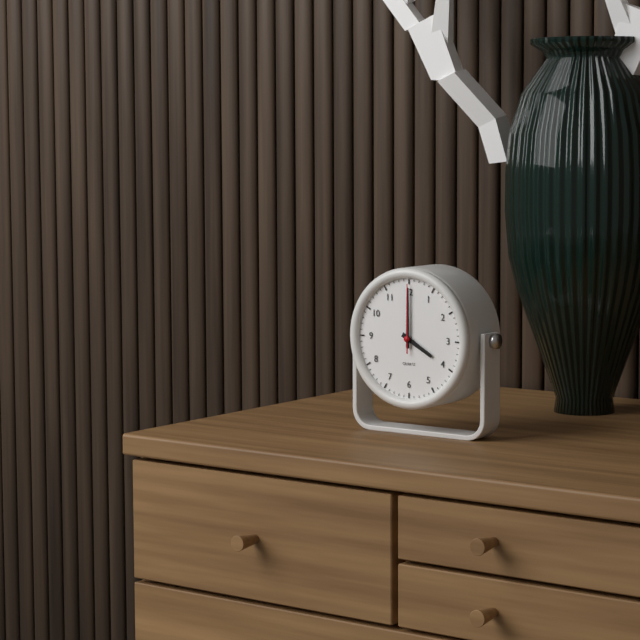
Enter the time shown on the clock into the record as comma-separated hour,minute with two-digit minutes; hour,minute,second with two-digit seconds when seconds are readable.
4,00,00
